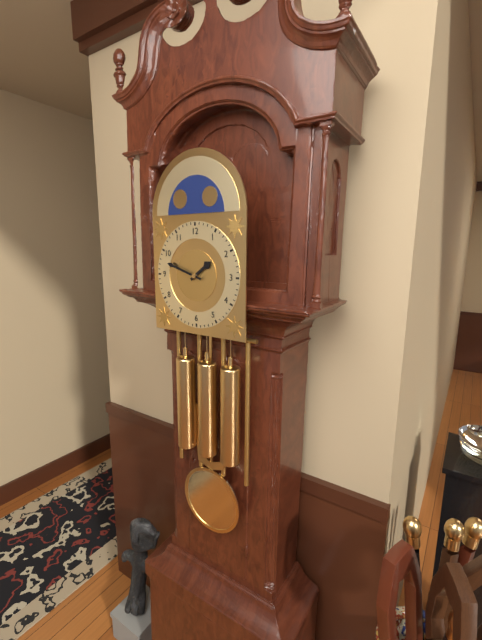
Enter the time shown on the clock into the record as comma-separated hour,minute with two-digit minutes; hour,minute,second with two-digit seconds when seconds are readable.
1,48
